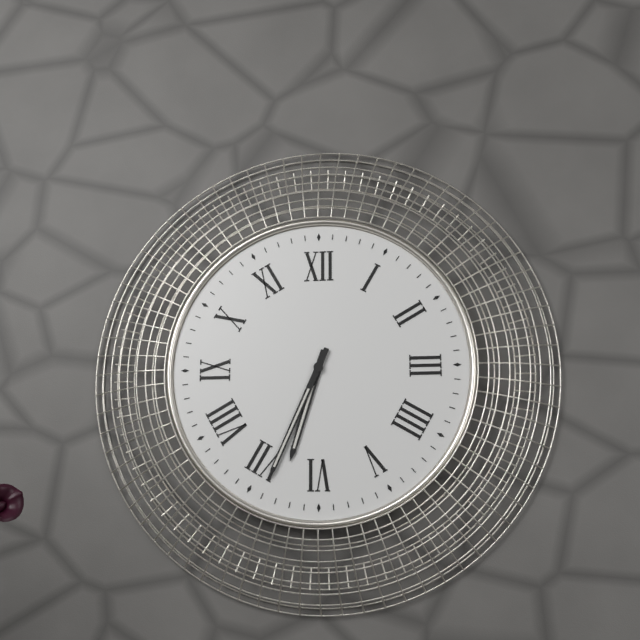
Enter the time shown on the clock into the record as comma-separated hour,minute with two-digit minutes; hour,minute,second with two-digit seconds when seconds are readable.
6,34
